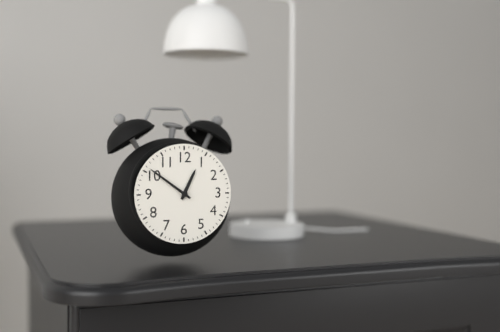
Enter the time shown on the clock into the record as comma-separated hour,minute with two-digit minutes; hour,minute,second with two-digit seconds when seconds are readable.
12,51
